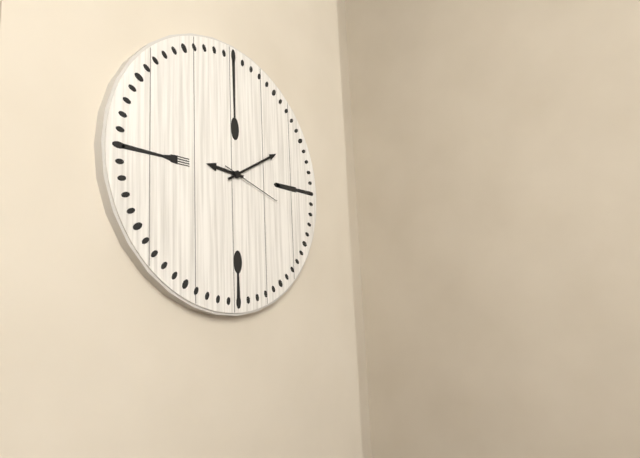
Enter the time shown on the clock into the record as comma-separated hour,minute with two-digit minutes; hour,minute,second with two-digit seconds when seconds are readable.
9,10,18
